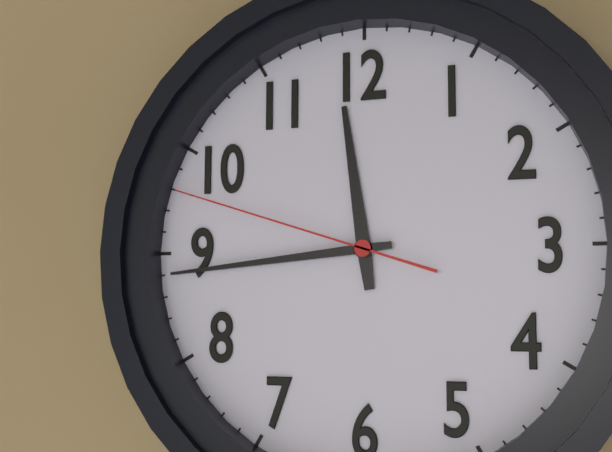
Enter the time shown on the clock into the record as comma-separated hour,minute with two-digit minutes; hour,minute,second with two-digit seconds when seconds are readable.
11,44,48
